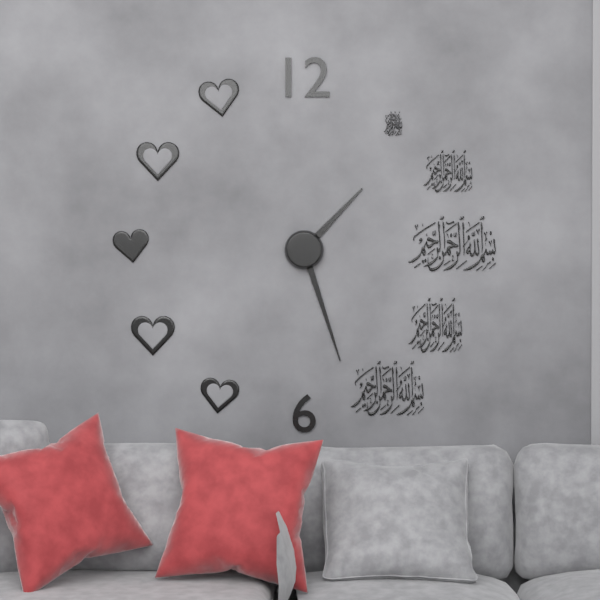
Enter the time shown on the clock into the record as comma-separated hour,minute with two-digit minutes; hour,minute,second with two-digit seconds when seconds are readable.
1,27
